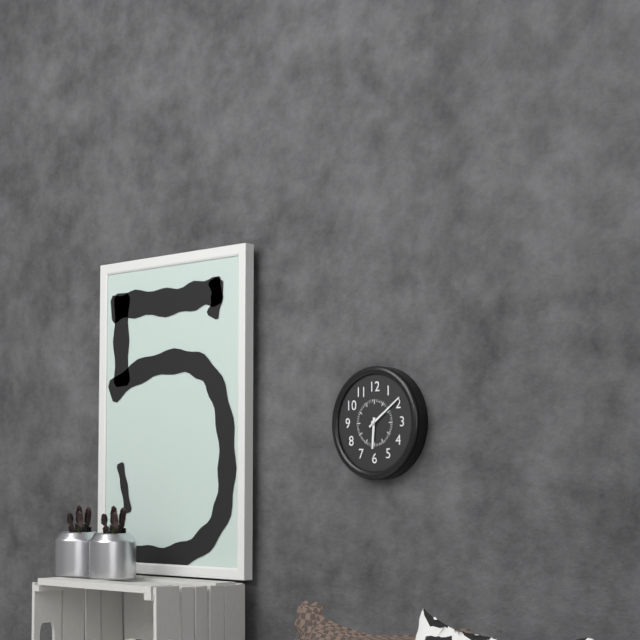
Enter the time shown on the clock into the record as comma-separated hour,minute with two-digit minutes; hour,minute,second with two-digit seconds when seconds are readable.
6,09
